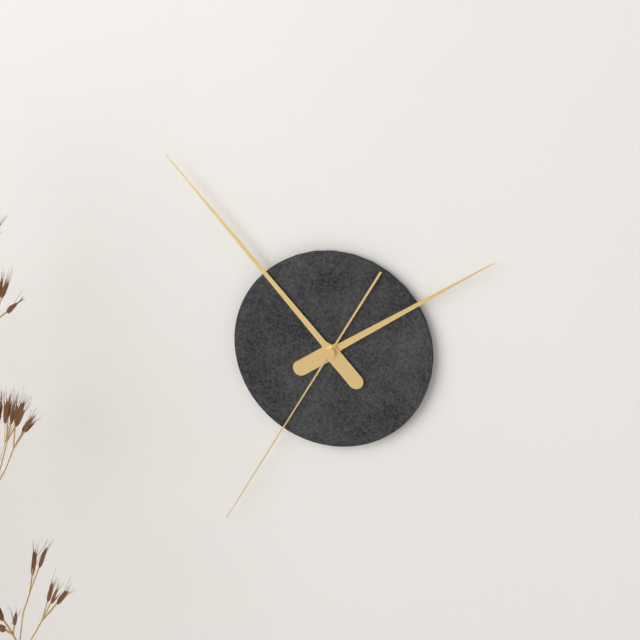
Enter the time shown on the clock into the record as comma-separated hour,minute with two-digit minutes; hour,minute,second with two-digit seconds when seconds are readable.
1,53,35
